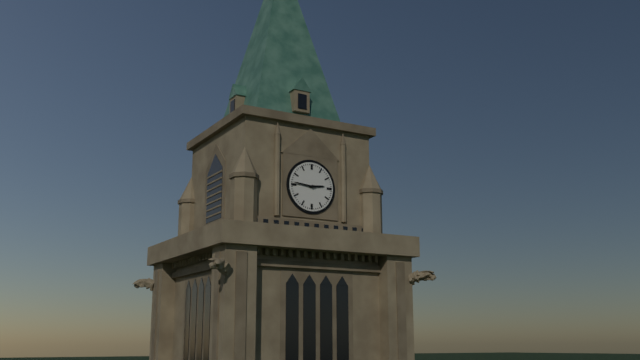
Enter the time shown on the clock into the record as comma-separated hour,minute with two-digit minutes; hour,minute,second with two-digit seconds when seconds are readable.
2,46
